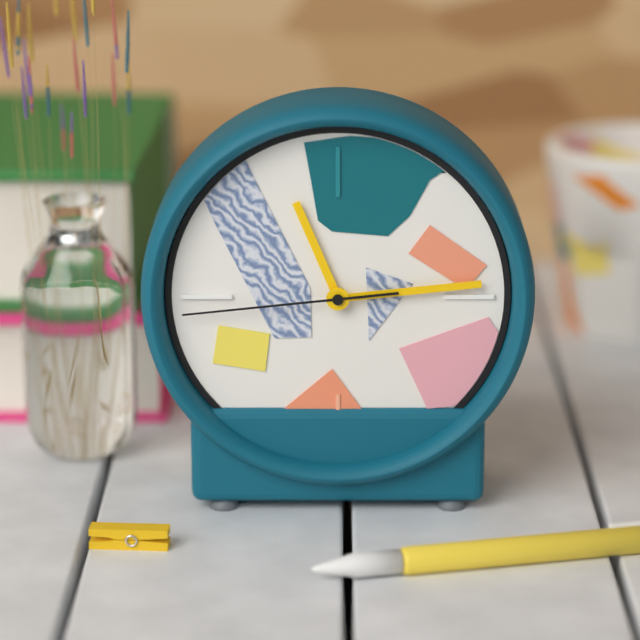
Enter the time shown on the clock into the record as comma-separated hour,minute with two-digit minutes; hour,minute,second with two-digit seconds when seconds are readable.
11,14,44
